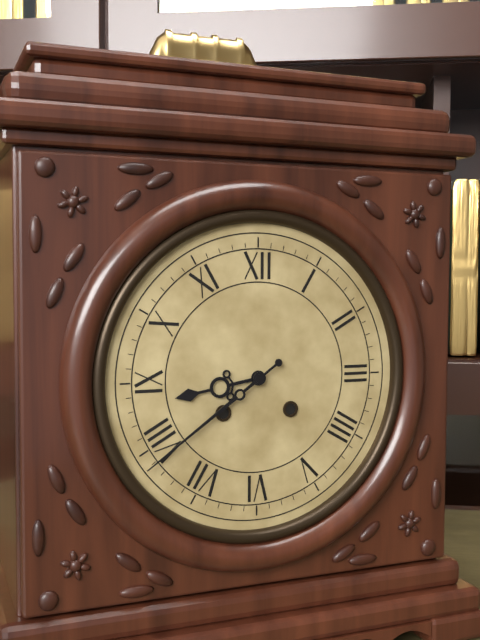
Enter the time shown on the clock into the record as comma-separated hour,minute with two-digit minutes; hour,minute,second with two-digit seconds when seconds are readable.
8,39
